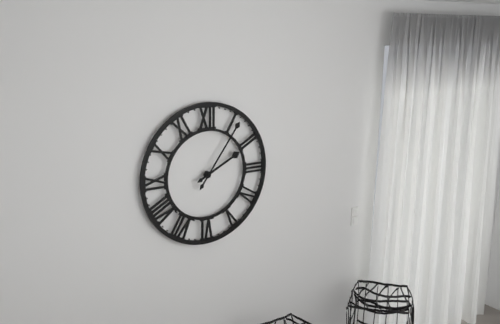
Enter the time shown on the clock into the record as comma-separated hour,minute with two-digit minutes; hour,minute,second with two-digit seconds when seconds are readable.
2,06
